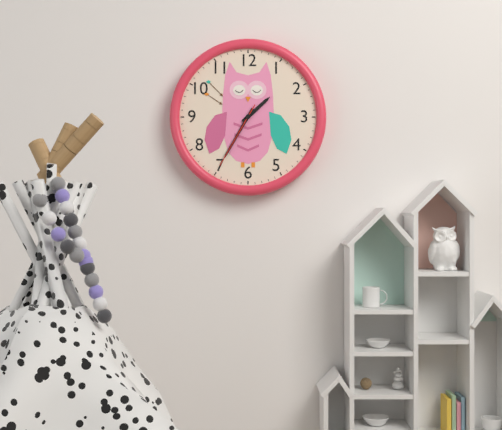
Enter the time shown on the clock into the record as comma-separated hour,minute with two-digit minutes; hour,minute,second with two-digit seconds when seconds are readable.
1,35,35
